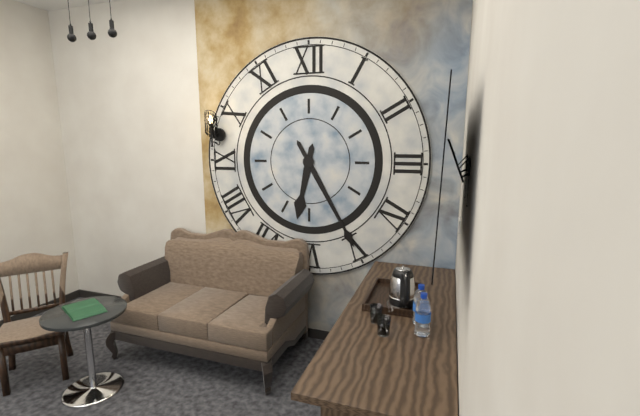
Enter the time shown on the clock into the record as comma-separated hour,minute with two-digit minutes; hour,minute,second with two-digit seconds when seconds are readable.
6,25
